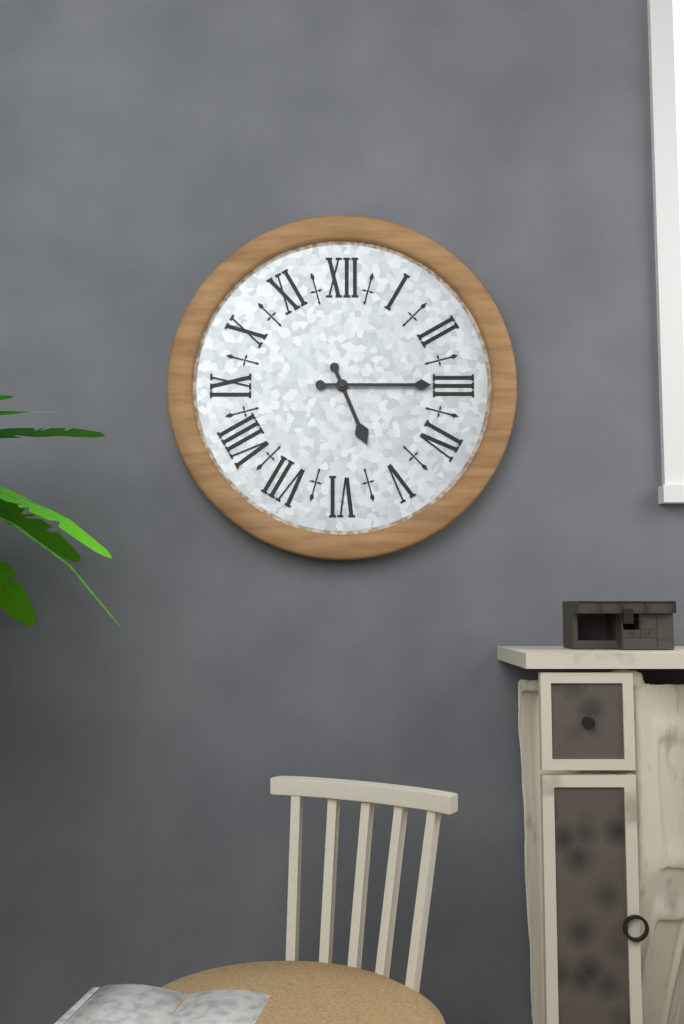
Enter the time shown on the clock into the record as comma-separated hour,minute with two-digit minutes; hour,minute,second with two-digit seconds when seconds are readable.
5,15
